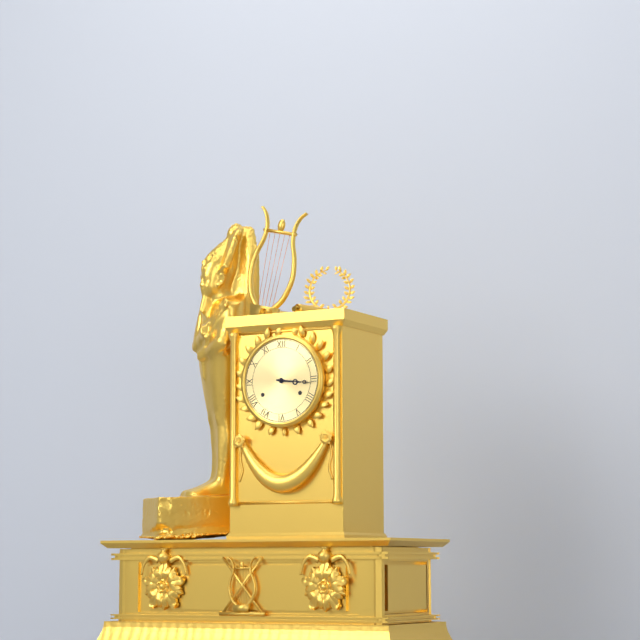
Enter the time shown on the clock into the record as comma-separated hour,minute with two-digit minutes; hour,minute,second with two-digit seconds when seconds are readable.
3,16
